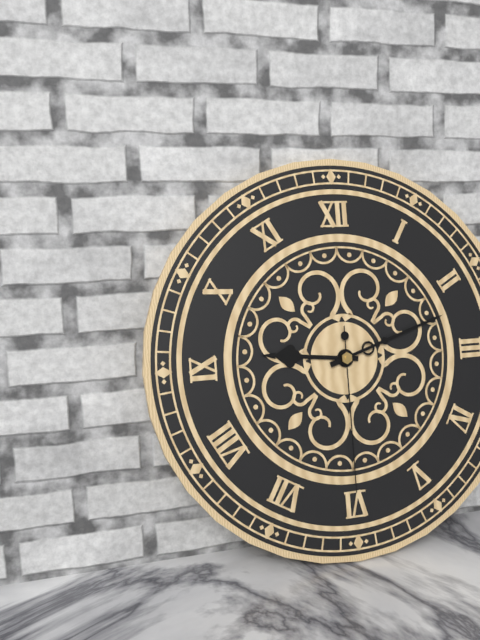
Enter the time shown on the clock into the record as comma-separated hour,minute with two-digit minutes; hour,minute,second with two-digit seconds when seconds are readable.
9,12,30
